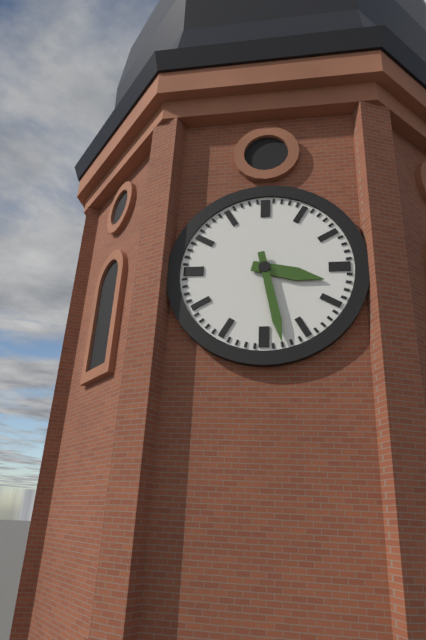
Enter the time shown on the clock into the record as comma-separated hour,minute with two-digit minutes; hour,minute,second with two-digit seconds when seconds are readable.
3,28
